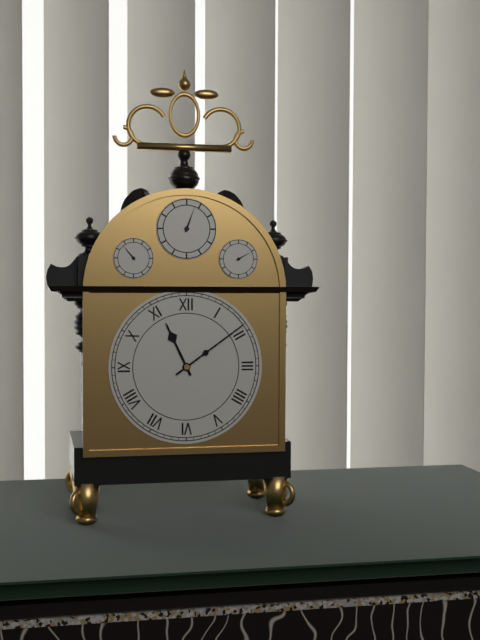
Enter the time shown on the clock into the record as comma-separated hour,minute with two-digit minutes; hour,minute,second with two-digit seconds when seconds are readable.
11,09
